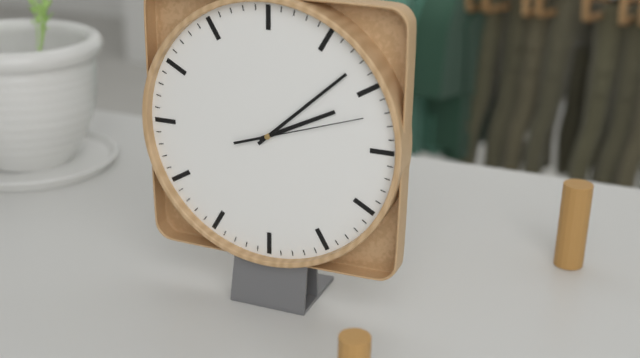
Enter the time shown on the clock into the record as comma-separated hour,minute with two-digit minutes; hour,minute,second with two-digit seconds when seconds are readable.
2,08,12
